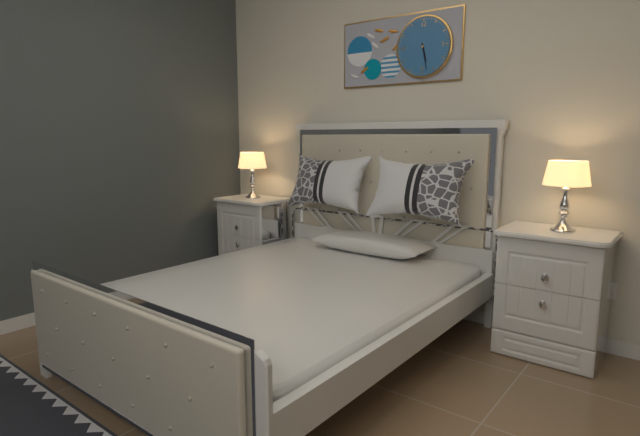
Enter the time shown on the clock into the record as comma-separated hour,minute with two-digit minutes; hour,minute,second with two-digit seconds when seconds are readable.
5,28
